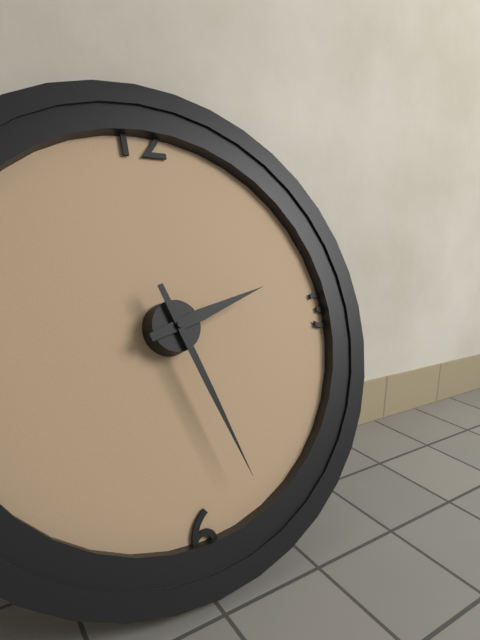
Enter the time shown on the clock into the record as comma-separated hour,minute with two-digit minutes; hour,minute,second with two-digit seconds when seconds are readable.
2,27
